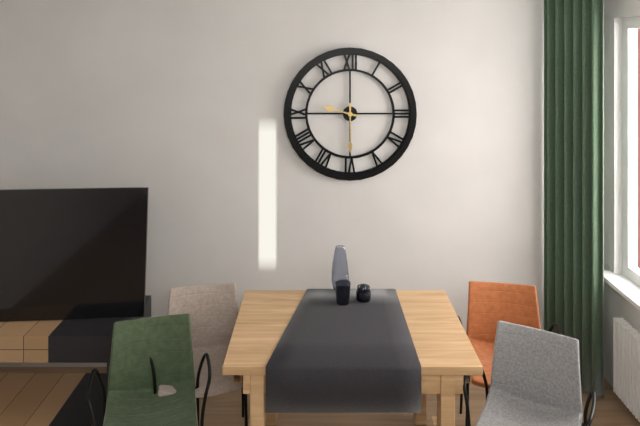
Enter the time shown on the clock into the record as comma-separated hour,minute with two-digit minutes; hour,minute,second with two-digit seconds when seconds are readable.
9,30
